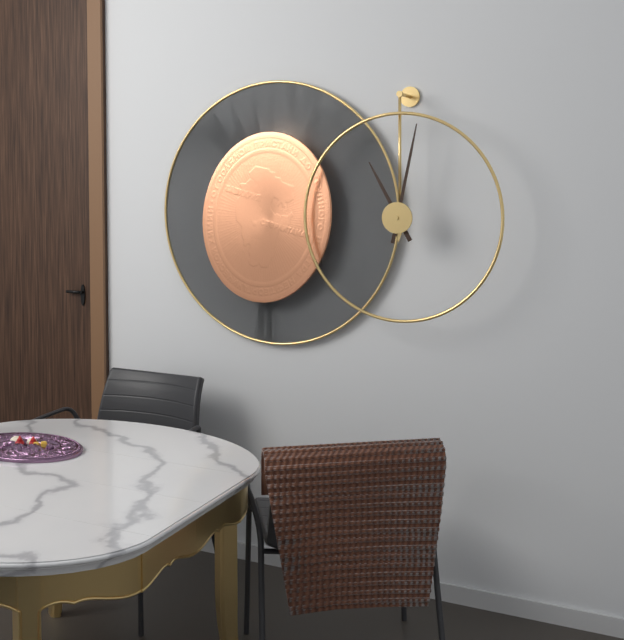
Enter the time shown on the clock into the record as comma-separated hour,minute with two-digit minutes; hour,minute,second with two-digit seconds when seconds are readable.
11,02
